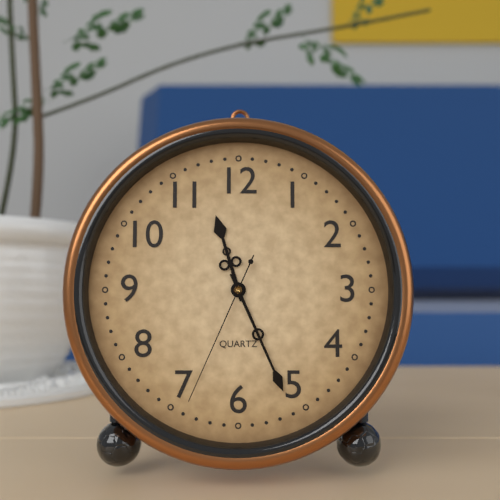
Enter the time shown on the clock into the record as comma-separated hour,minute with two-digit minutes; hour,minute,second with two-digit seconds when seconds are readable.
11,26,34
